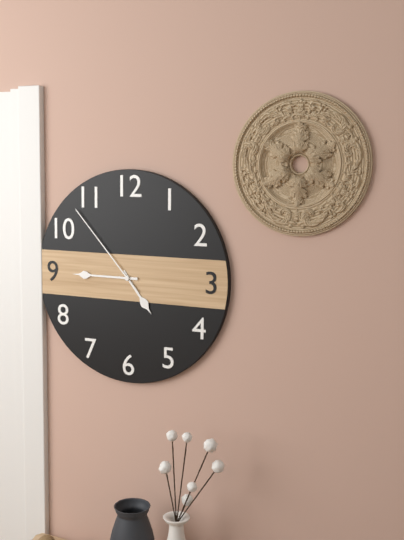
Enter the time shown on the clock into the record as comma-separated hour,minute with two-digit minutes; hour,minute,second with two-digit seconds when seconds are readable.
4,45,53
